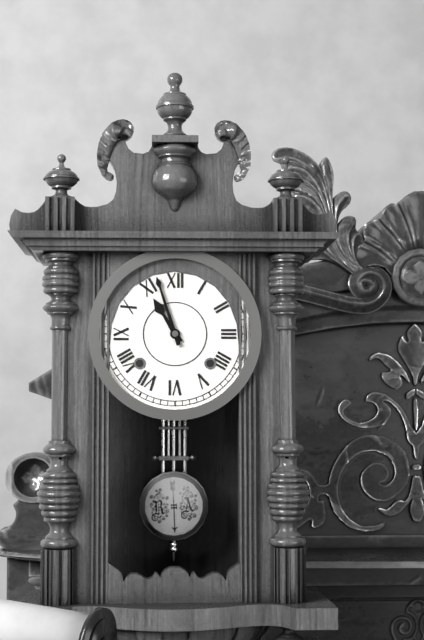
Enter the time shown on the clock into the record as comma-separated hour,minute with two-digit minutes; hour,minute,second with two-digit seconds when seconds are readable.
10,57
